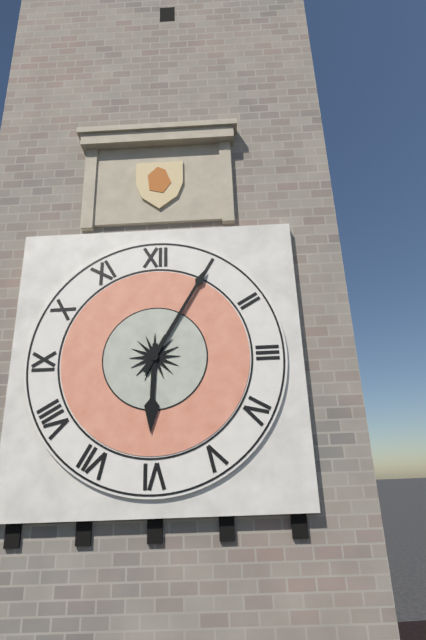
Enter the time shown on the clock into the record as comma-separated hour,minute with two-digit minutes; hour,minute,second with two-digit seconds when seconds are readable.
6,05
